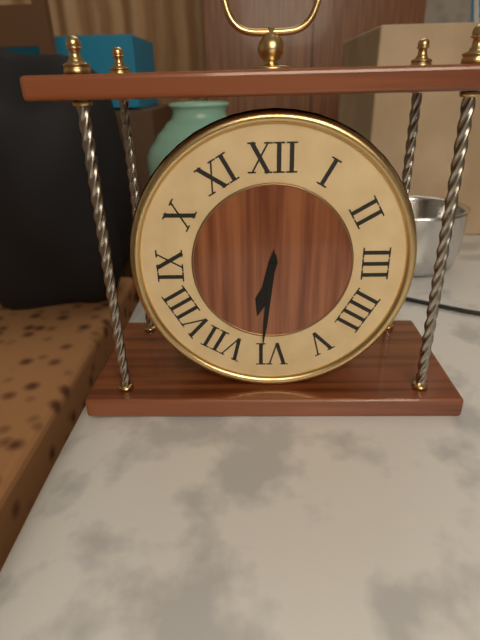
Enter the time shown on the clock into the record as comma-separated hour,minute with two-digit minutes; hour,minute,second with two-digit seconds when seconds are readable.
6,31
